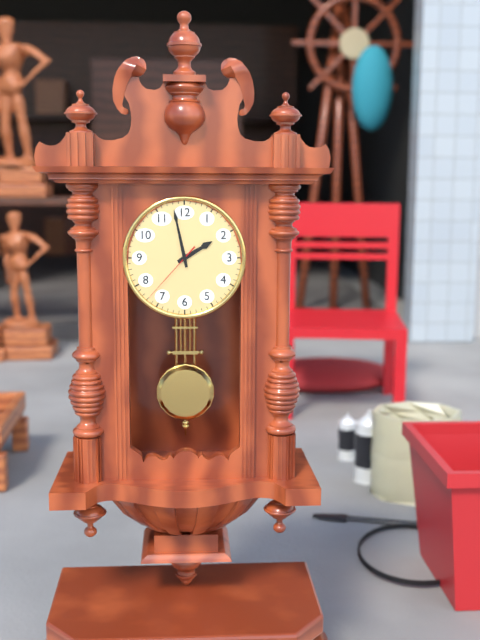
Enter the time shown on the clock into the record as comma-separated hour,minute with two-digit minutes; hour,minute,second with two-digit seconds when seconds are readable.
1,58,37
